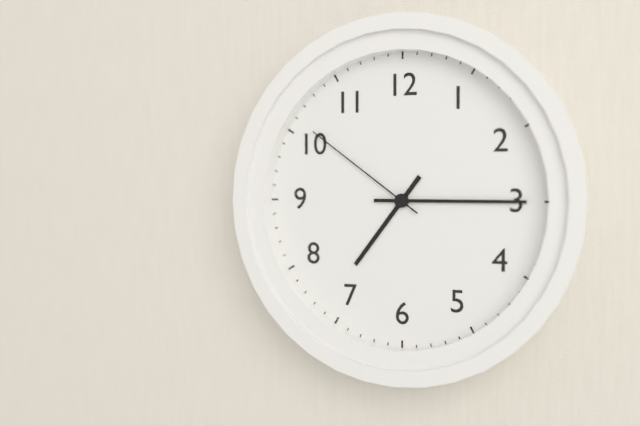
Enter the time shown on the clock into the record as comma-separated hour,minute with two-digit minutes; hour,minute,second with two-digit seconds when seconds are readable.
7,15,51
